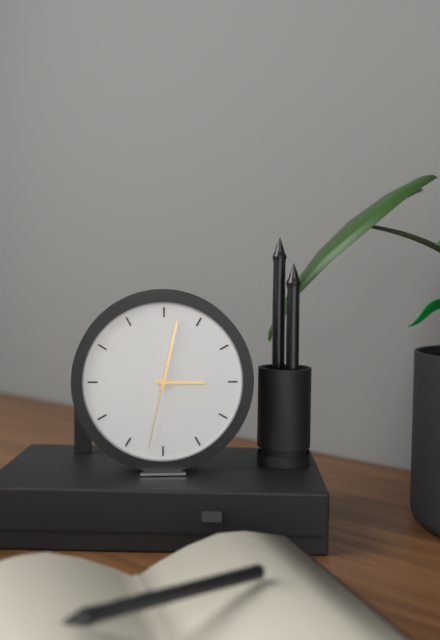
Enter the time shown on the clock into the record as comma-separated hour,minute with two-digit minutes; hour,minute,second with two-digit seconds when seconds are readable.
3,02,32
